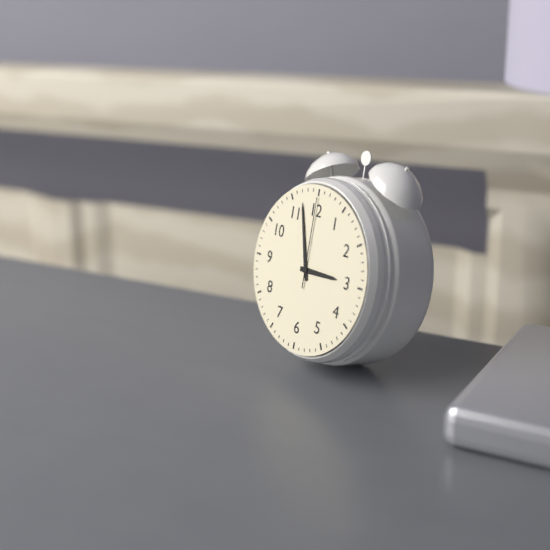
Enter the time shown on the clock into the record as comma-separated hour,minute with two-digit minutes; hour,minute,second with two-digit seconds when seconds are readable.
2,57,00
